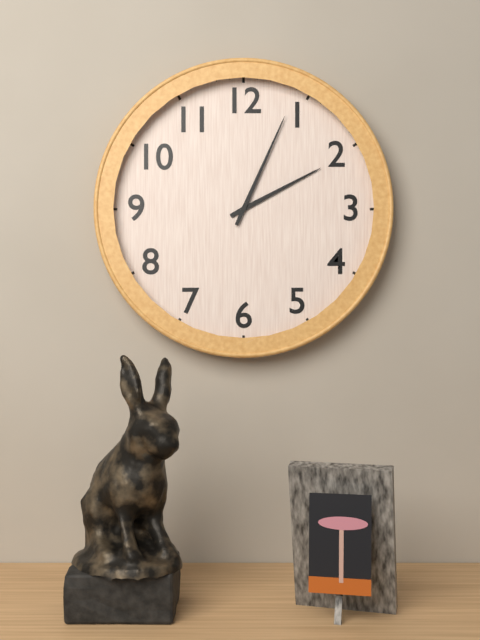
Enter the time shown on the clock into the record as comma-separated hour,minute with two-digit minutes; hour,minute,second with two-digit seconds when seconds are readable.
2,04
